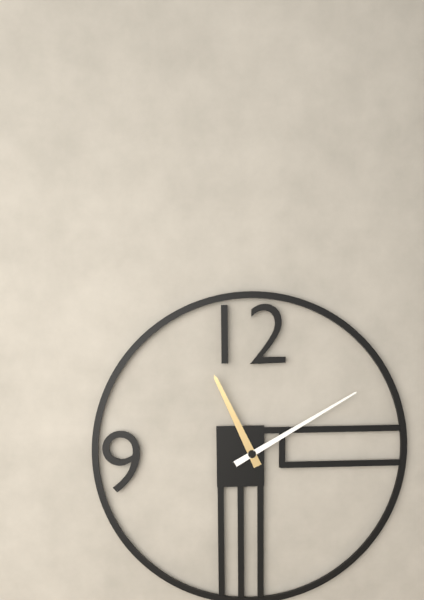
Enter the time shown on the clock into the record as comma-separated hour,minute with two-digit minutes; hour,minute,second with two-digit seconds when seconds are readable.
11,10
